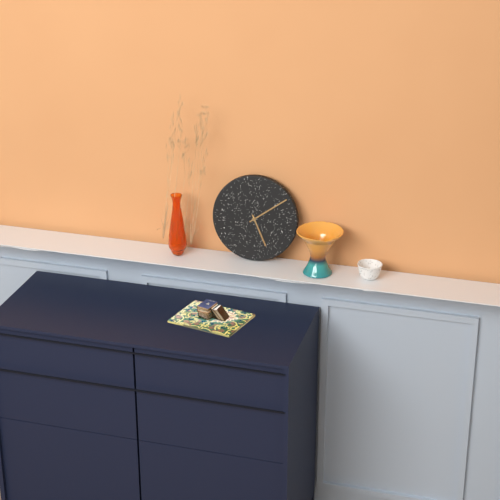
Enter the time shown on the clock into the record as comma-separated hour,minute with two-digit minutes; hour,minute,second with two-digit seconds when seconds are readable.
5,09
